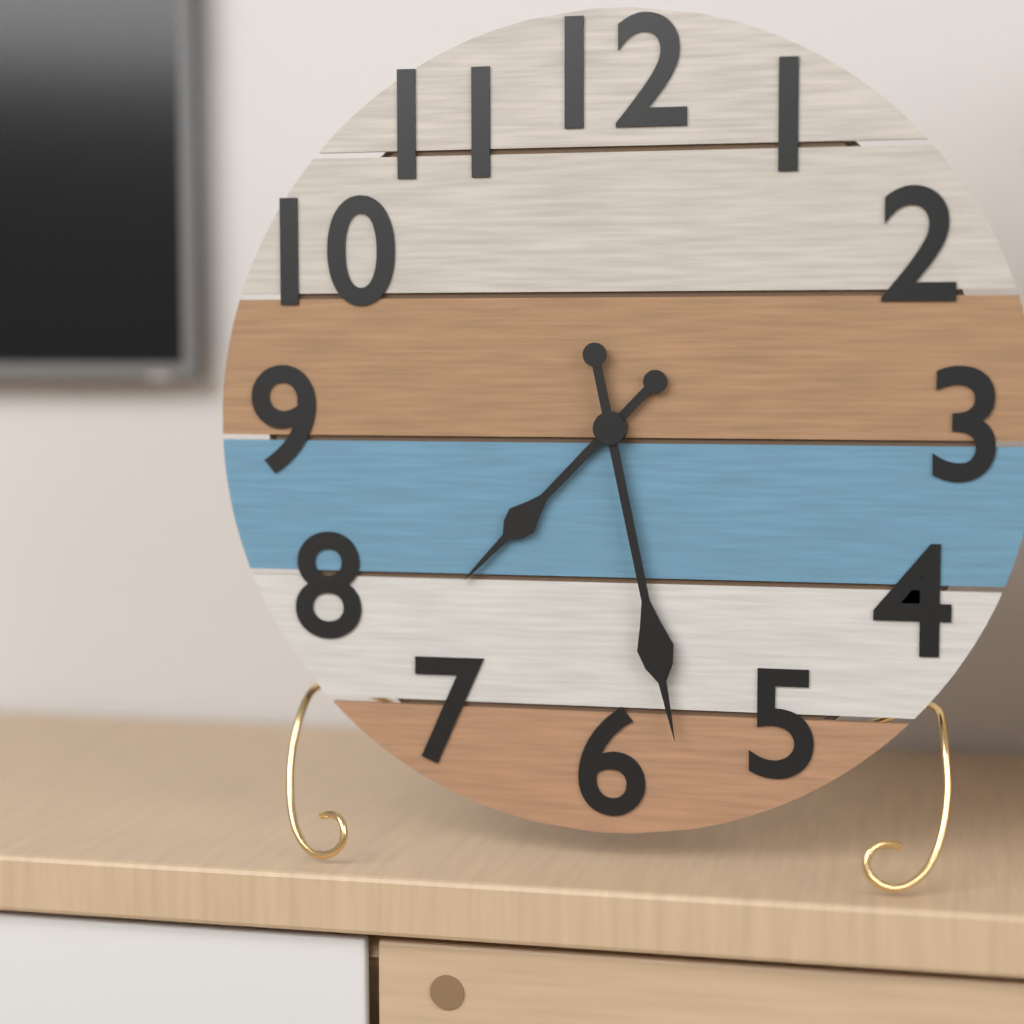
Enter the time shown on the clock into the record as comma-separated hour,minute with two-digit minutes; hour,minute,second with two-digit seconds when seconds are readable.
7,28
